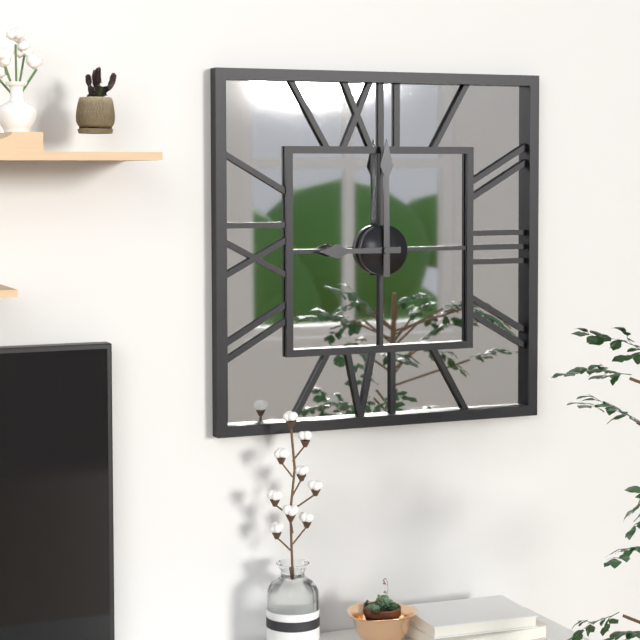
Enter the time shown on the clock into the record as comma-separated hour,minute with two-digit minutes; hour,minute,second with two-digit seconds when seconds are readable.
9,00
